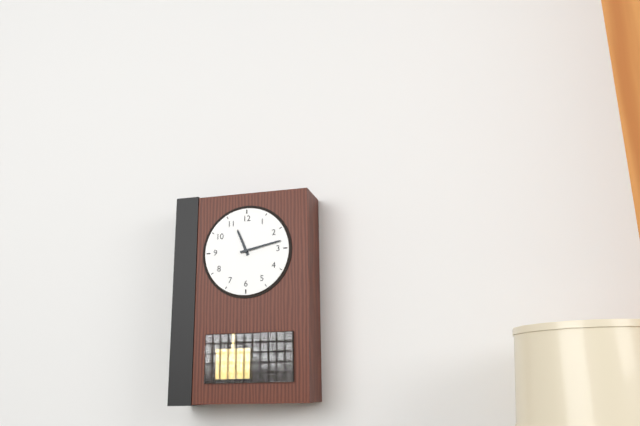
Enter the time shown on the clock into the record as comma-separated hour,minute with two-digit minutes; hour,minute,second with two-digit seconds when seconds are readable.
11,13
